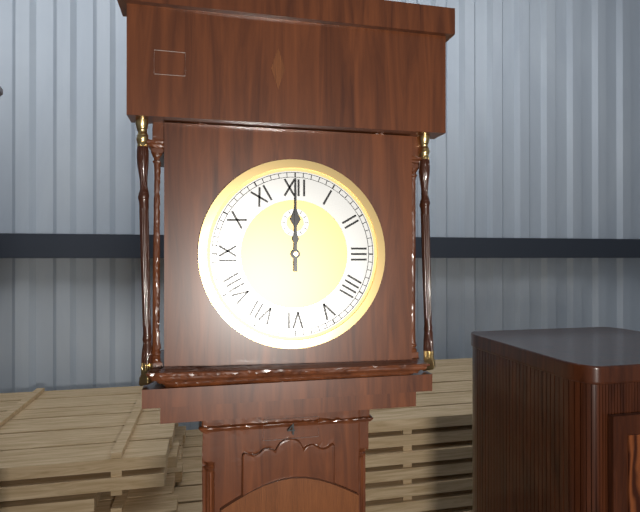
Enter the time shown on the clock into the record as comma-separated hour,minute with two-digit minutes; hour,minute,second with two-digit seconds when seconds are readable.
12,00
